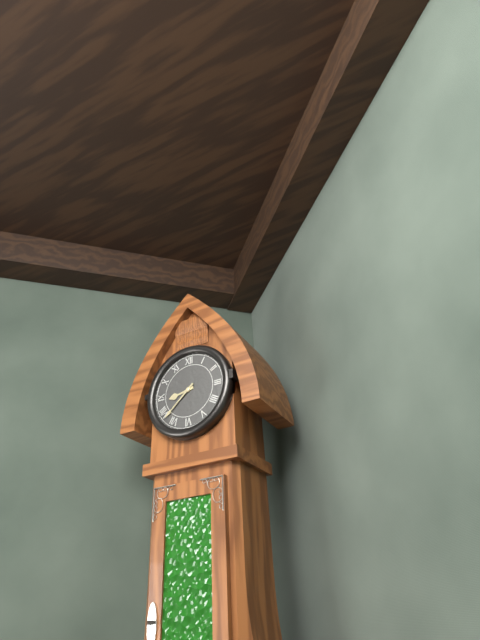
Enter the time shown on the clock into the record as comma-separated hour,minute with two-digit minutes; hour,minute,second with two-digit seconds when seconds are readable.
8,38
